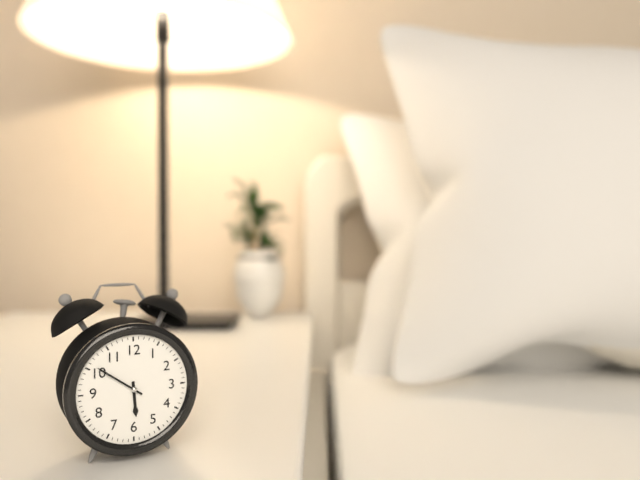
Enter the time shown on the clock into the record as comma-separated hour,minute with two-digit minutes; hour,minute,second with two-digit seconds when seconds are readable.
5,51
